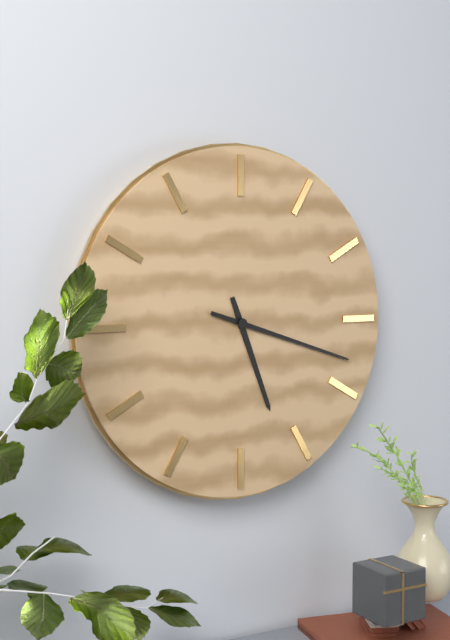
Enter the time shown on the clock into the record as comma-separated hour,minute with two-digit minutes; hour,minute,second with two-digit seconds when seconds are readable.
5,18
